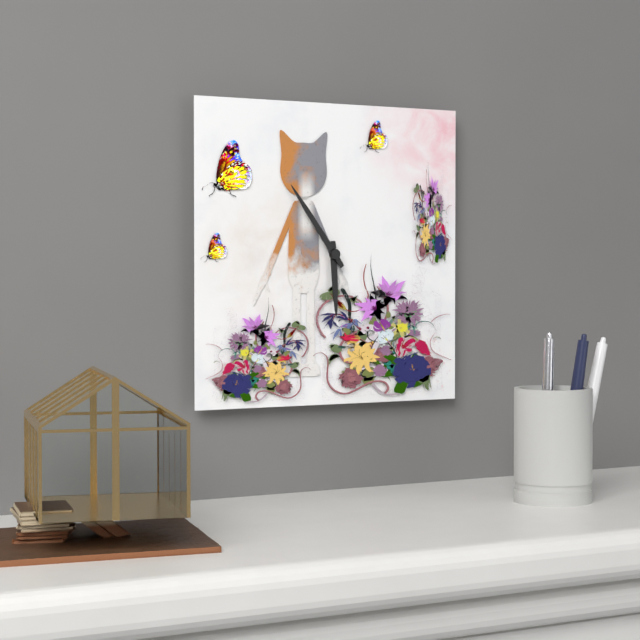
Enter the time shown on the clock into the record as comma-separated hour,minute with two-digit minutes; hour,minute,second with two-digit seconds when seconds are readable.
5,54
